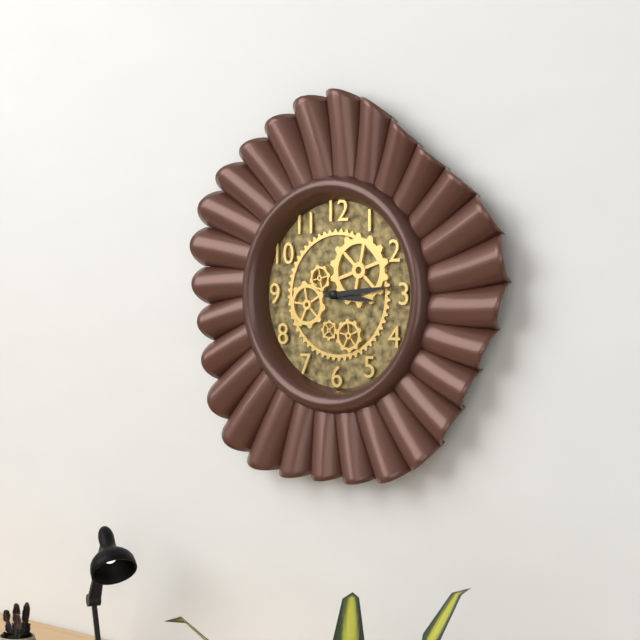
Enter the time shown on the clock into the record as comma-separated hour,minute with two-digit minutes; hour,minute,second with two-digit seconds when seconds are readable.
3,14
